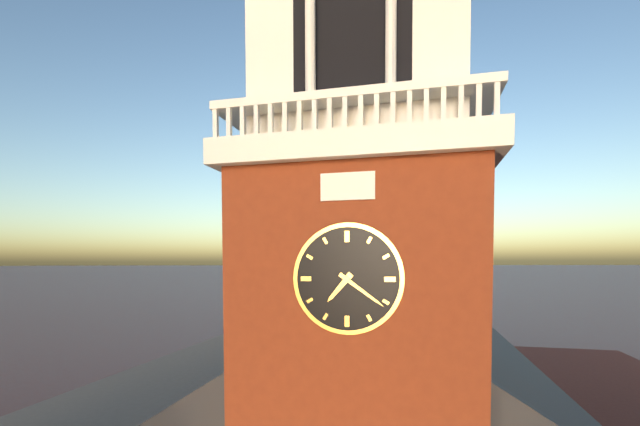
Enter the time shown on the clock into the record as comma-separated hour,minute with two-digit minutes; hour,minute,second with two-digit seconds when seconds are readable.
7,21
